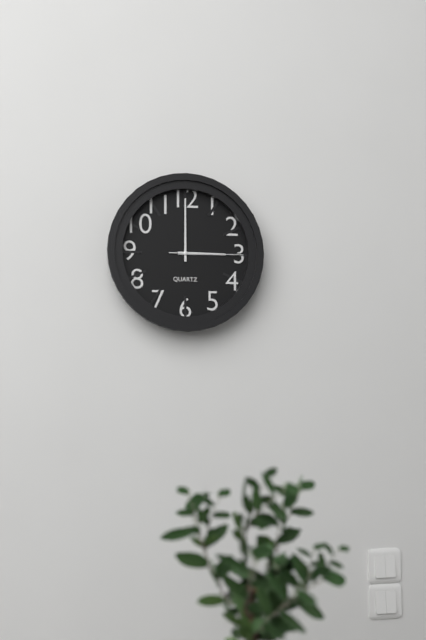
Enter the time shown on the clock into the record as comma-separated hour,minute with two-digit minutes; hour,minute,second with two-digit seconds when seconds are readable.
3,00,15
